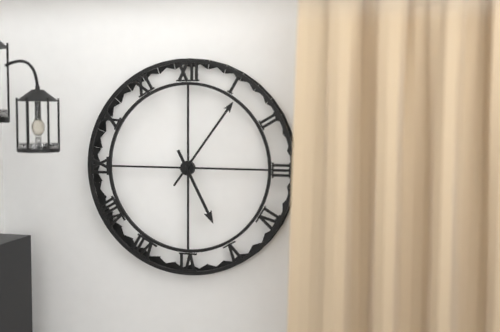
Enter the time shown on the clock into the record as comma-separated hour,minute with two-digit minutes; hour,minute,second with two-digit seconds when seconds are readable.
5,06
